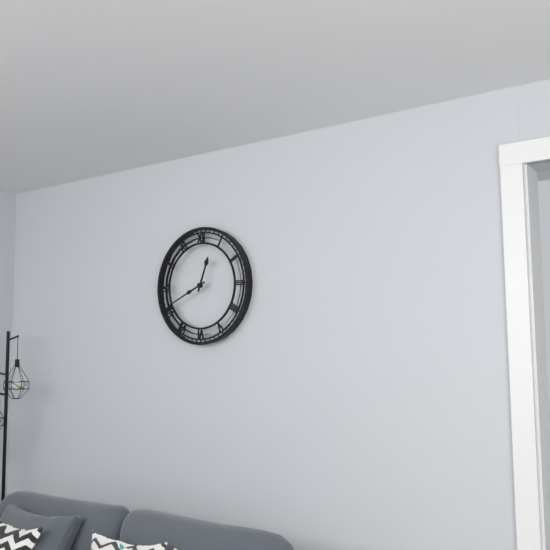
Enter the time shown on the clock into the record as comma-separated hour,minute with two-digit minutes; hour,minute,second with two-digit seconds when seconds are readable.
12,41
